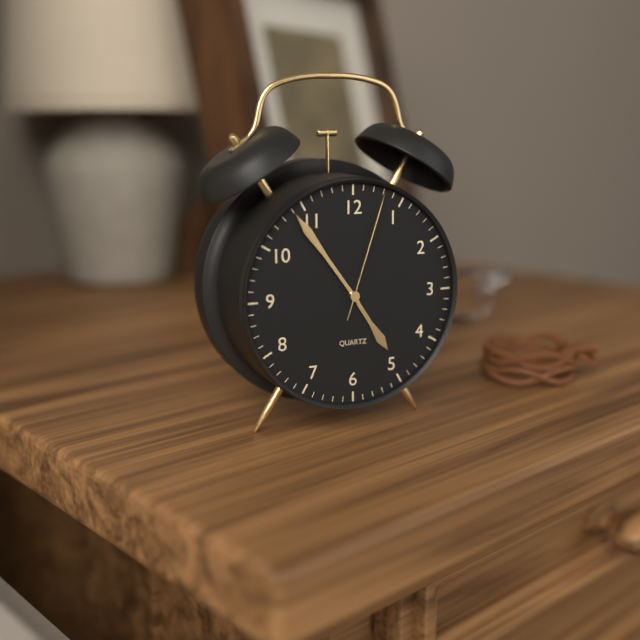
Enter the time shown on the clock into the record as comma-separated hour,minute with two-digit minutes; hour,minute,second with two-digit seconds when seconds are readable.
4,54,03
